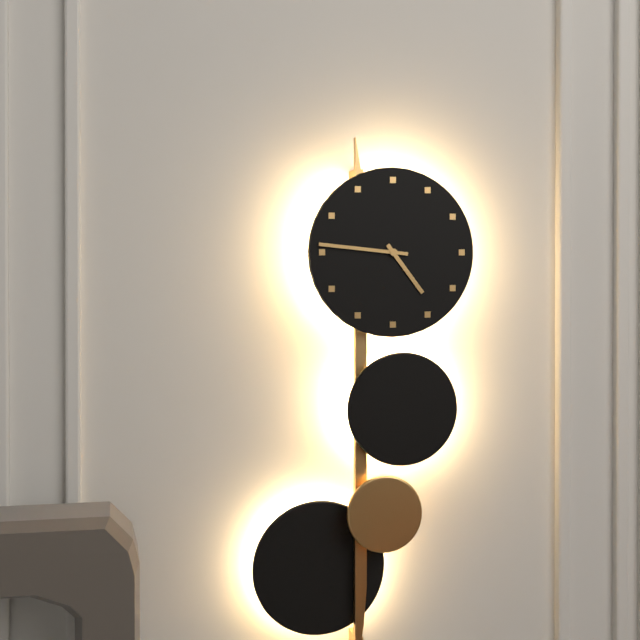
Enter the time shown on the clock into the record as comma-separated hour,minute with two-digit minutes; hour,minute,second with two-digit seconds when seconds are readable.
4,46
